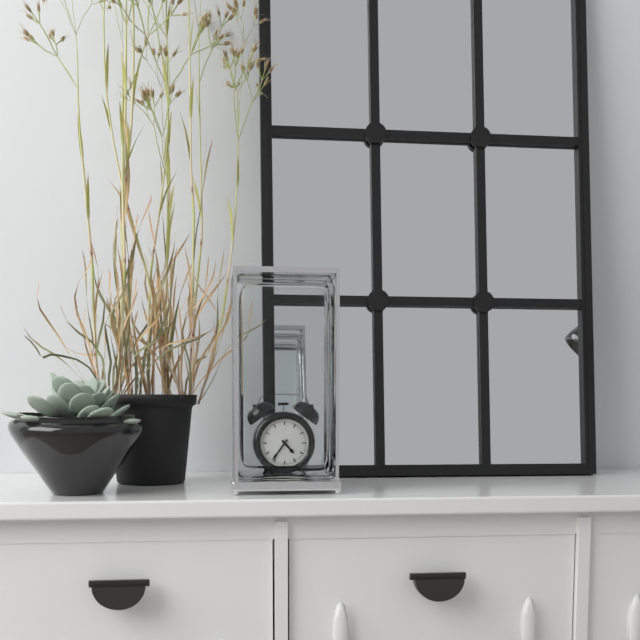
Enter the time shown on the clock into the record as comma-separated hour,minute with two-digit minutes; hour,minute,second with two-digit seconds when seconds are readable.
4,36
